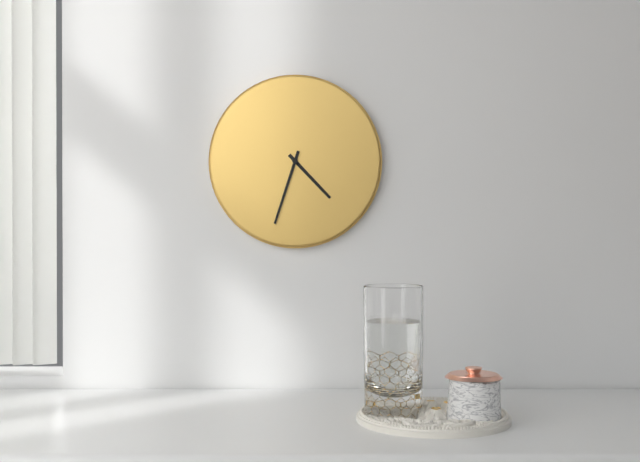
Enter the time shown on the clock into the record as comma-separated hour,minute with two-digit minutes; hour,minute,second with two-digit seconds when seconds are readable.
4,33
